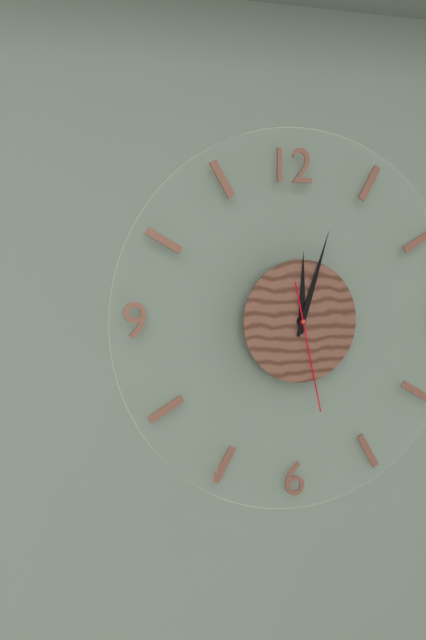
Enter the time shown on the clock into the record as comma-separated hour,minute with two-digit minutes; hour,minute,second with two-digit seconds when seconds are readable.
12,03,28
